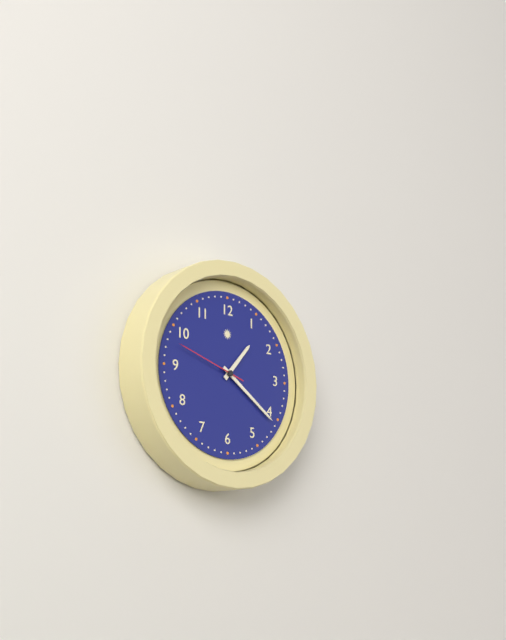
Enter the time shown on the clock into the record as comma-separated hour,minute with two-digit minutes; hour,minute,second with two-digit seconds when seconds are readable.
1,21,48
